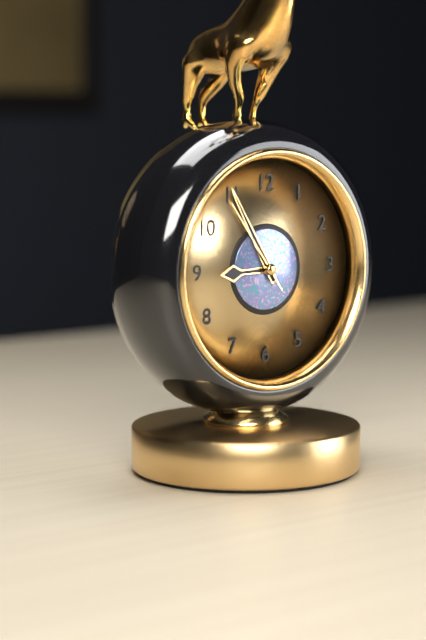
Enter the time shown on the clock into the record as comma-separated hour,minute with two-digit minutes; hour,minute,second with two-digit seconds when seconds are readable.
8,55,54
